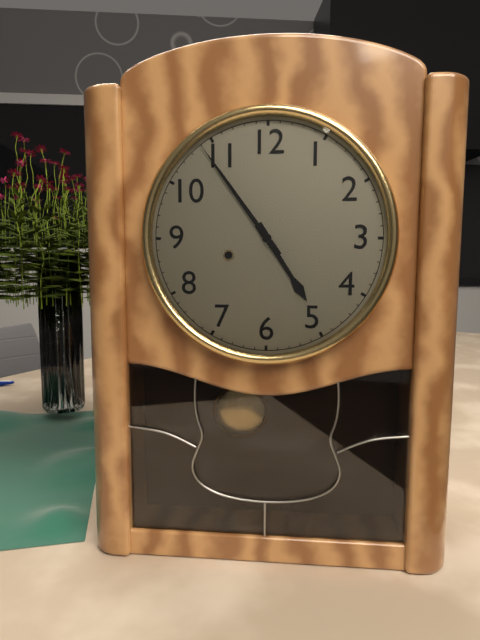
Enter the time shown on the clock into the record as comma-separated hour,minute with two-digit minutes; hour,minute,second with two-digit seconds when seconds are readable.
4,54
